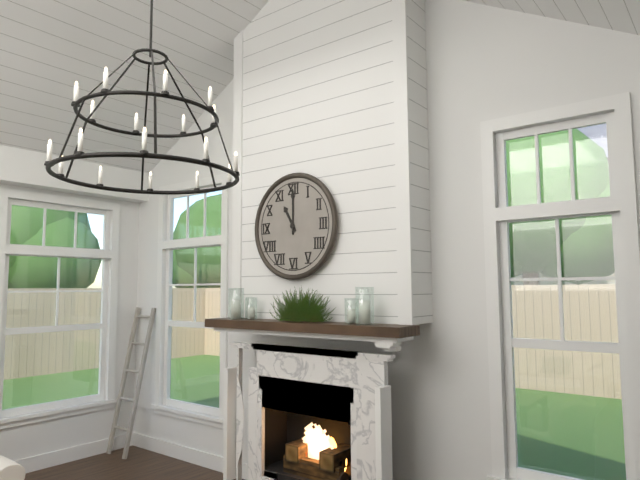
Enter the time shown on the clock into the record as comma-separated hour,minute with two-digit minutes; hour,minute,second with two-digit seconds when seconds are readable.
11,00
